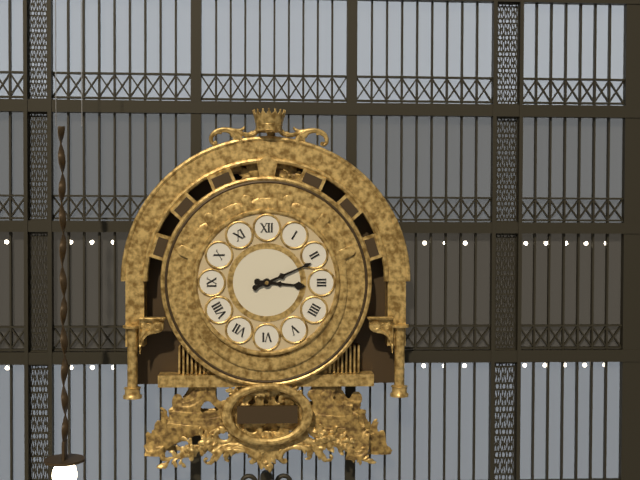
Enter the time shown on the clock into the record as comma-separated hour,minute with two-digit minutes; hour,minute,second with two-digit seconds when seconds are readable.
3,11
